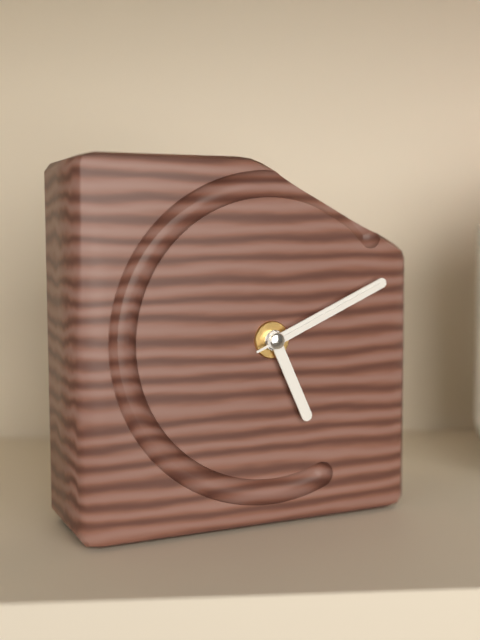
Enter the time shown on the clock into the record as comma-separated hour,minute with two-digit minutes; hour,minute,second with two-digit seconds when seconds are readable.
5,11,11
